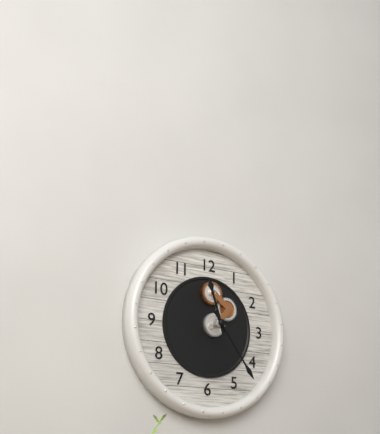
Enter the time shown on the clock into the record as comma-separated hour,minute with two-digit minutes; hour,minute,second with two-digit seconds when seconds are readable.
11,24
